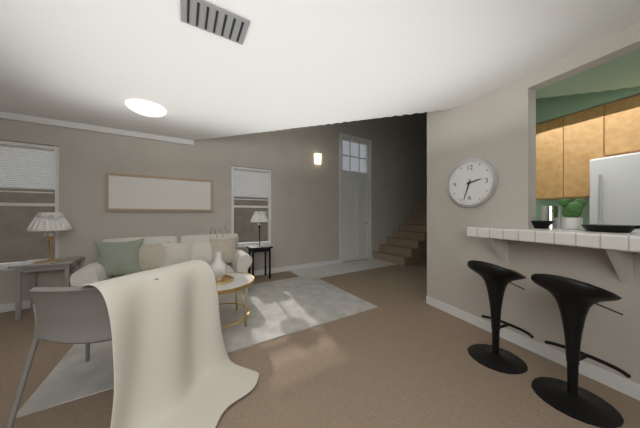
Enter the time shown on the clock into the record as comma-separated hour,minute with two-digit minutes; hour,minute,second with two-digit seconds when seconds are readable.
2,33
